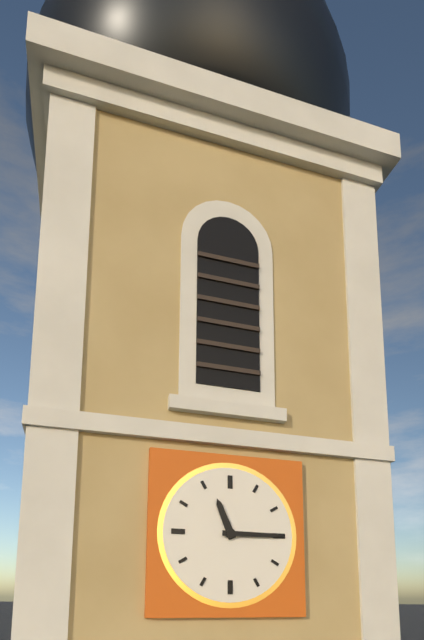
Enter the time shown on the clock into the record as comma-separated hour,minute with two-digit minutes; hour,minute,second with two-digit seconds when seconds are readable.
11,15
